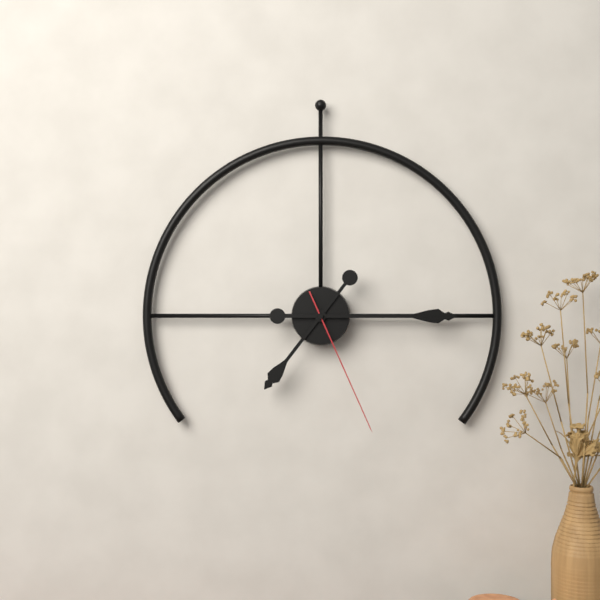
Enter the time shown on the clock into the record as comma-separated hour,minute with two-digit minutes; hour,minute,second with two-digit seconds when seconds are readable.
7,15,26
